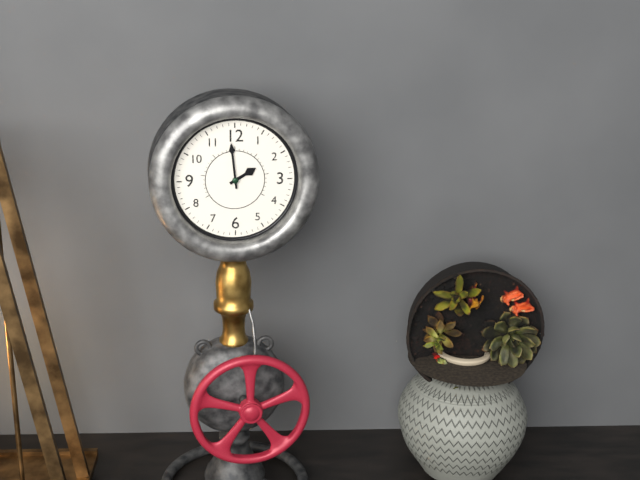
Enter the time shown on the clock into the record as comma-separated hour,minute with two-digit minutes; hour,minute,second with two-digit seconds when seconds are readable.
1,59
